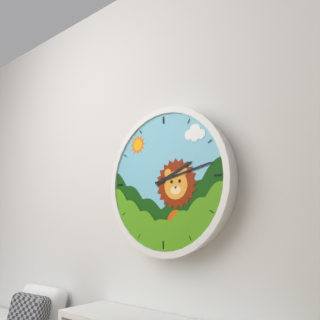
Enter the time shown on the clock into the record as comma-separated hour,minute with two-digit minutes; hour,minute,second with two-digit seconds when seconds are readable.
2,13
